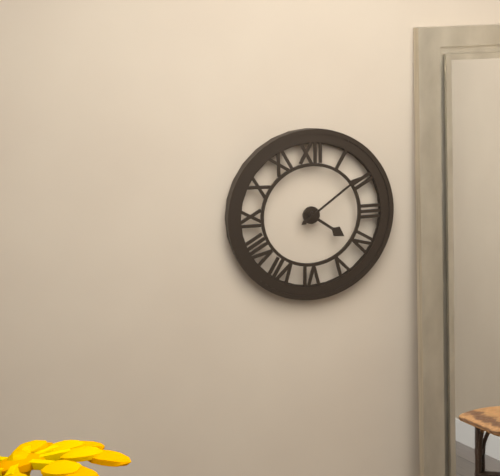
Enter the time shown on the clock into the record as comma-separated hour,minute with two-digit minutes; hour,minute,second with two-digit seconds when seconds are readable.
4,09
